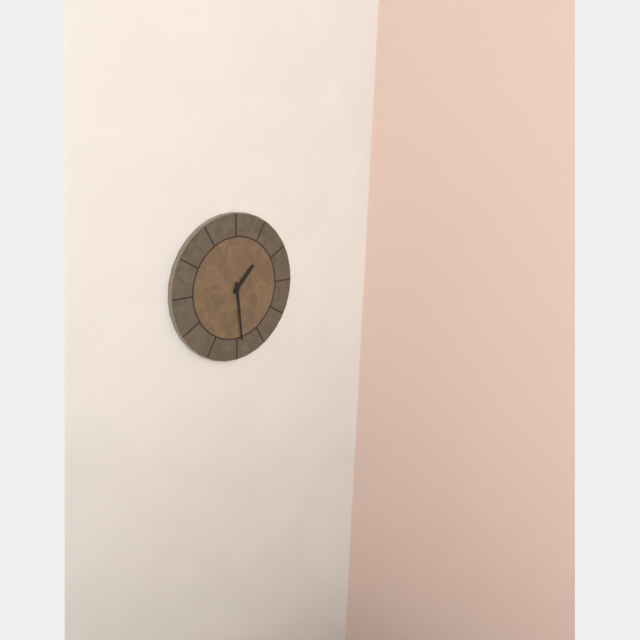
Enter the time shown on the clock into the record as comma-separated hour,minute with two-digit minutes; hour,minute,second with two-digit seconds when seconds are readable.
1,29
